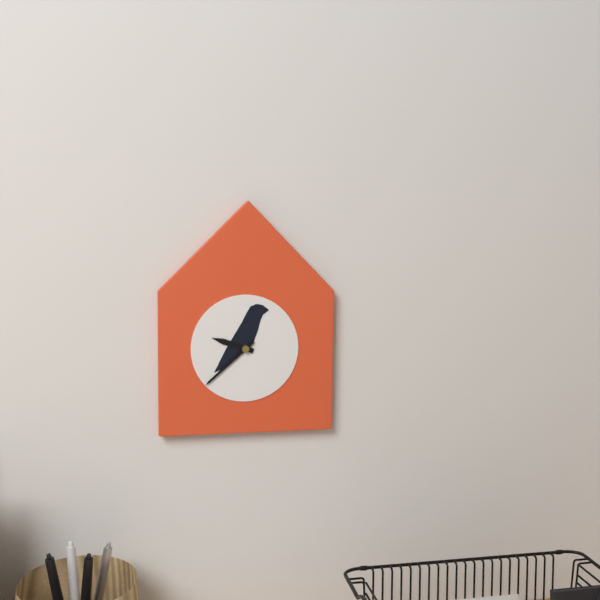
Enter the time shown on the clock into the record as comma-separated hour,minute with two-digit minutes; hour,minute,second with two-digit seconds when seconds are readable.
9,38
